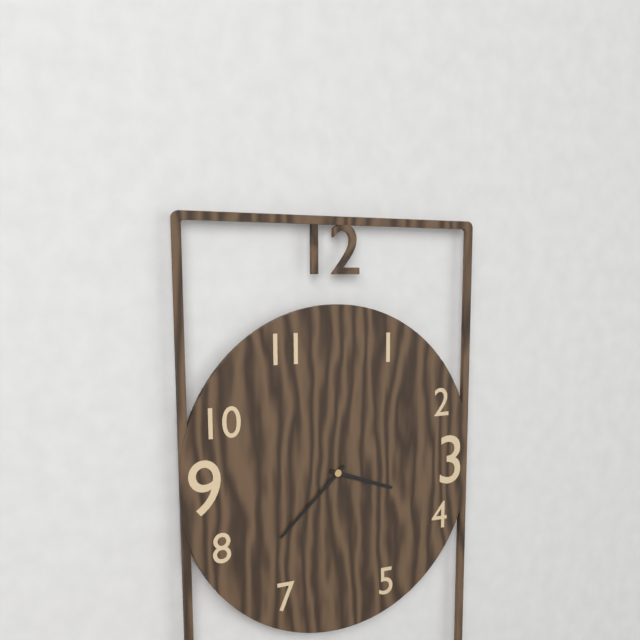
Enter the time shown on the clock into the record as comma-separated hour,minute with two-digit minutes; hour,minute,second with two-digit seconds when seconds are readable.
3,38
